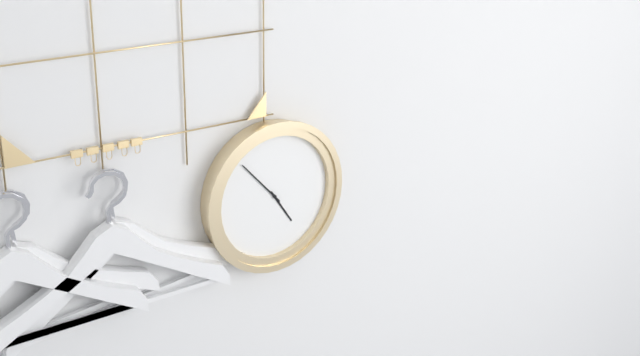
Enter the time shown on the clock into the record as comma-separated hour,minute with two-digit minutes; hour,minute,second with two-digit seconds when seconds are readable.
4,53
